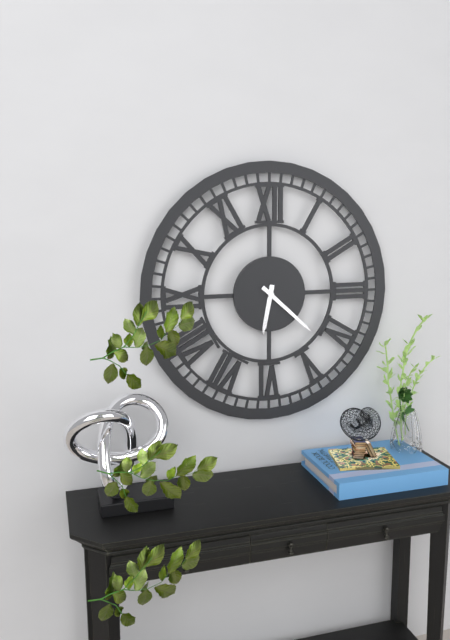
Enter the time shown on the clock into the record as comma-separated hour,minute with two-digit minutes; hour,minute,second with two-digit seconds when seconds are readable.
6,22
